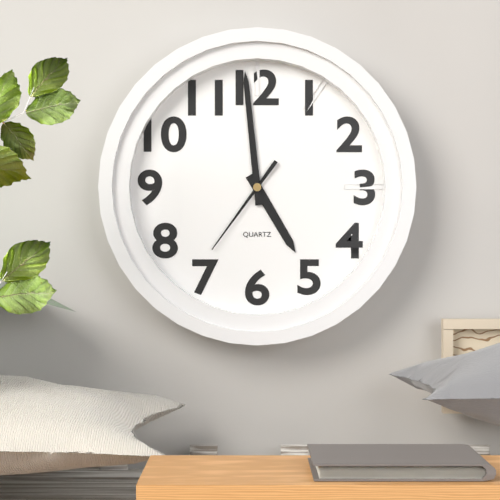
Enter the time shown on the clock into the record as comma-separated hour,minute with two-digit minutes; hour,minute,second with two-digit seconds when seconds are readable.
4,59,36
